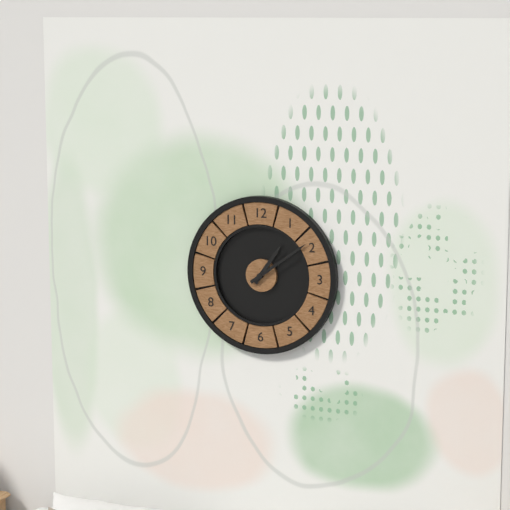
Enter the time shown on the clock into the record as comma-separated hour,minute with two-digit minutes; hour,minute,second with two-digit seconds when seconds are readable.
1,09
